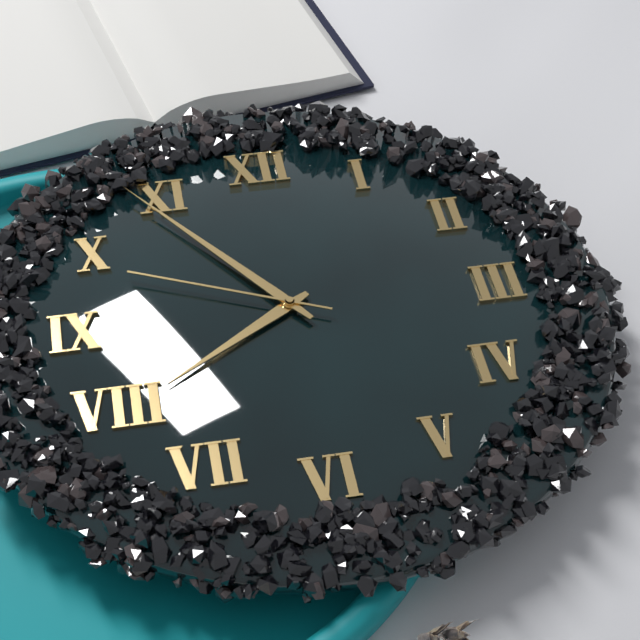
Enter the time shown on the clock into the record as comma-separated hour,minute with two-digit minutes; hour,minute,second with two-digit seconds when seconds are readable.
7,54,49
